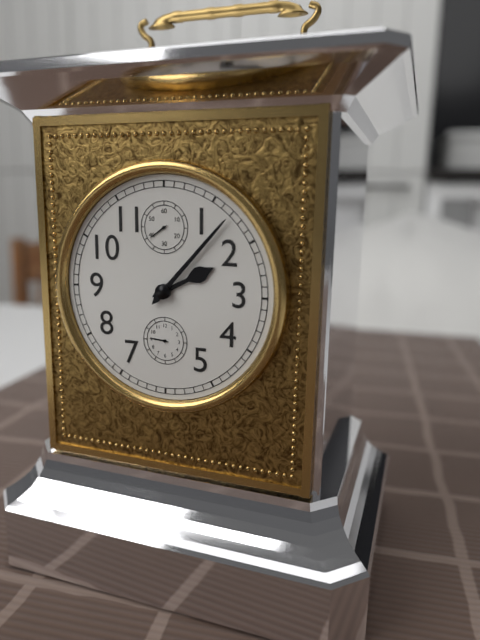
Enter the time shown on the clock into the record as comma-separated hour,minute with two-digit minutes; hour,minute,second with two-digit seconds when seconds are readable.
2,07
